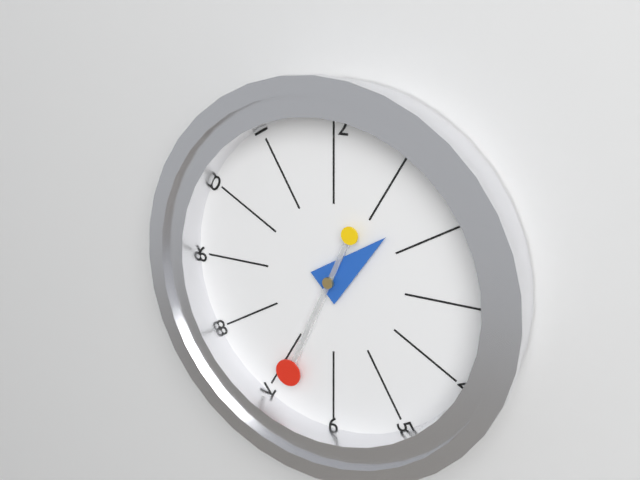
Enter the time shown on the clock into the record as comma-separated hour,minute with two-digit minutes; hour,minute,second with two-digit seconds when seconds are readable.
1,34
